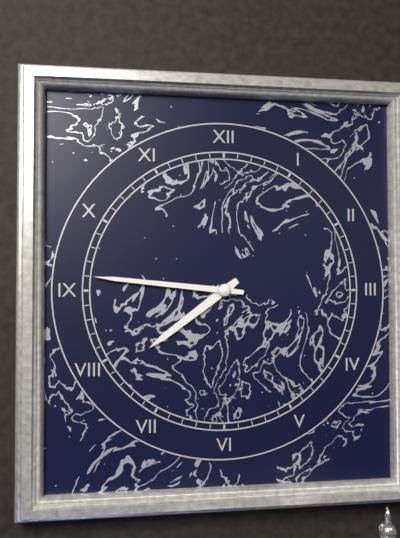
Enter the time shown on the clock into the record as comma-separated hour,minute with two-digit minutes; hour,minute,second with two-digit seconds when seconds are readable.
7,46
